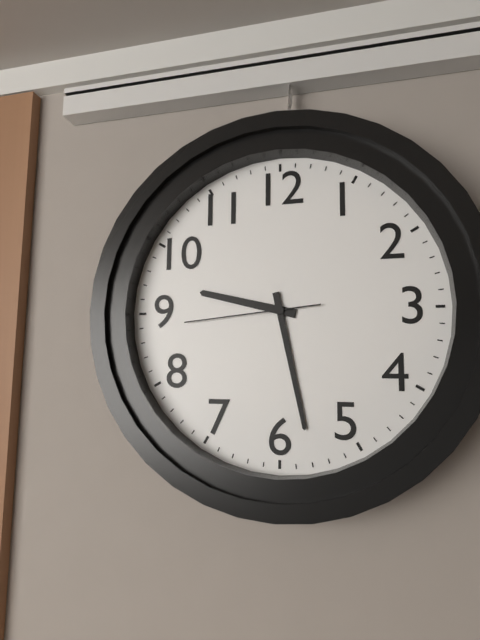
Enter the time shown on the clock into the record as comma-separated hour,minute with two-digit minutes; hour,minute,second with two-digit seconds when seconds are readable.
9,28,44
